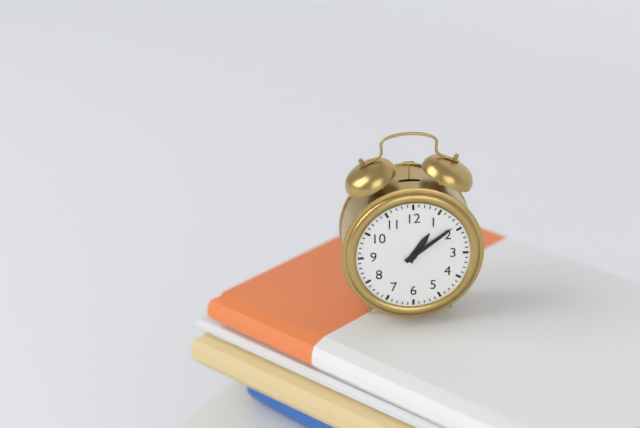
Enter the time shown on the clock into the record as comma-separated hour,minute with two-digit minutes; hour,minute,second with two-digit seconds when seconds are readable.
1,09
